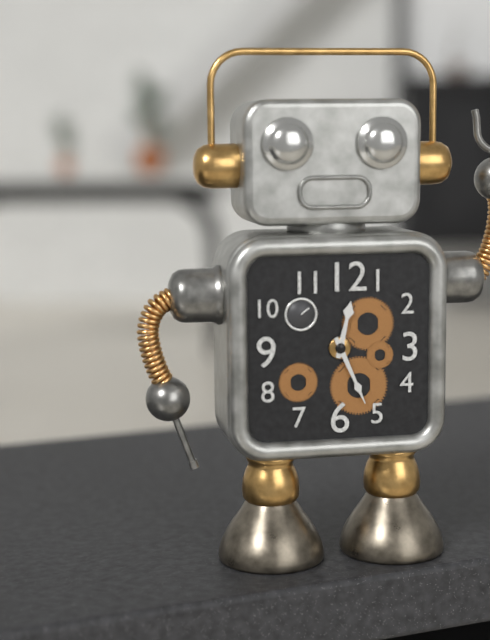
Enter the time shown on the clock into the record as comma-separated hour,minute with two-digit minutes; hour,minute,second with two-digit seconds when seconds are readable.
12,26
